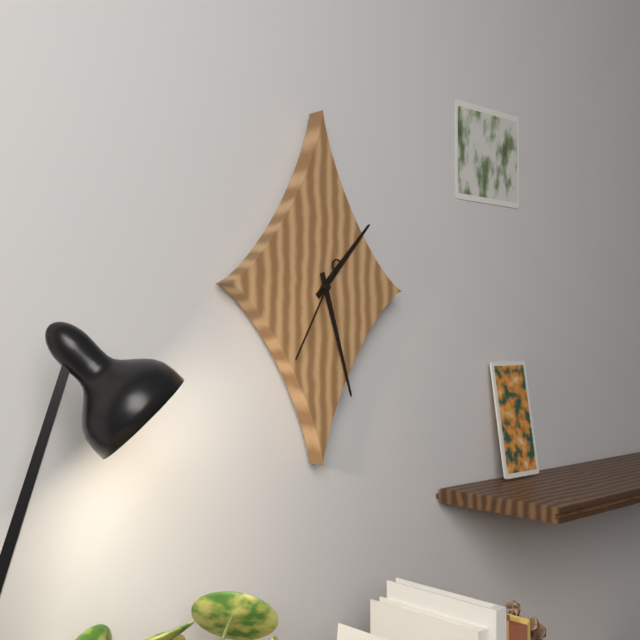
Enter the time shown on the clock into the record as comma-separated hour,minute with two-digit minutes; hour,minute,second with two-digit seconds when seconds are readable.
1,27,35
